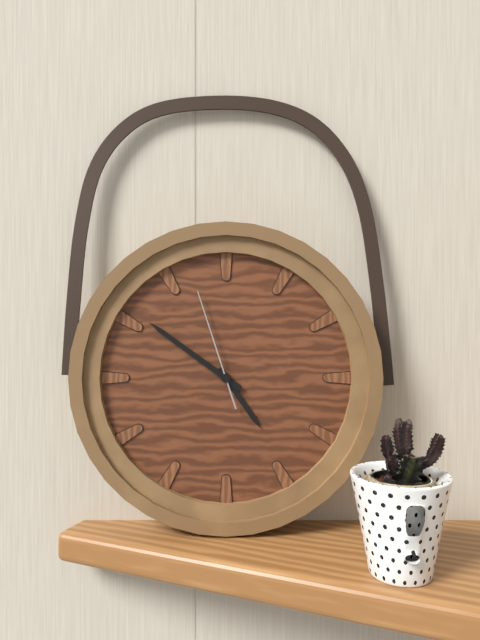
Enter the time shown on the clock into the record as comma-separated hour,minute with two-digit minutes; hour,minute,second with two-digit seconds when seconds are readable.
4,51,57
